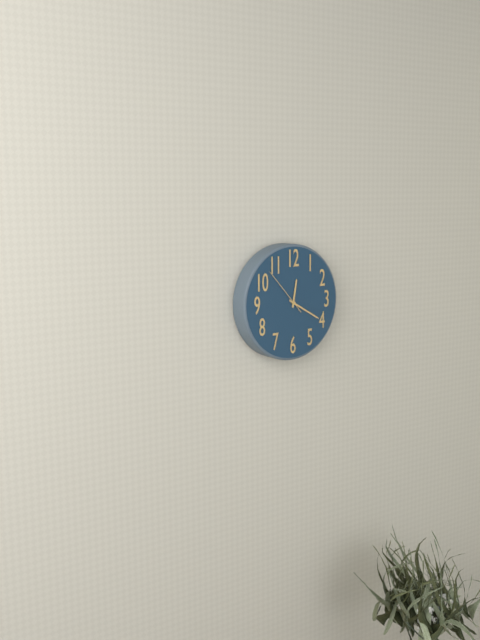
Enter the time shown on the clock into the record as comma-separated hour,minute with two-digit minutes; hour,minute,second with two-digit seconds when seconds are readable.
12,20,53
